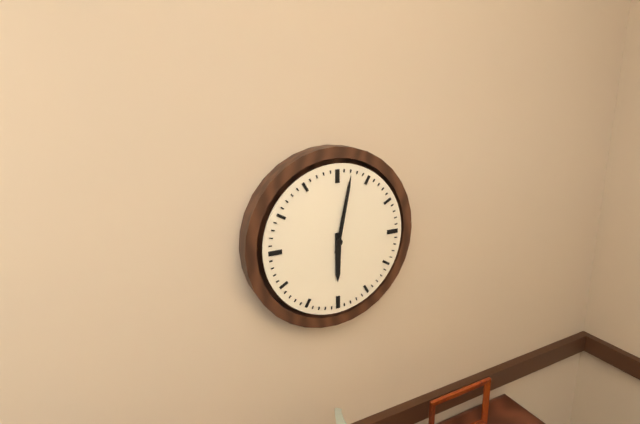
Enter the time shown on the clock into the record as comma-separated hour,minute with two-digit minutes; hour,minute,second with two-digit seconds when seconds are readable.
6,02
